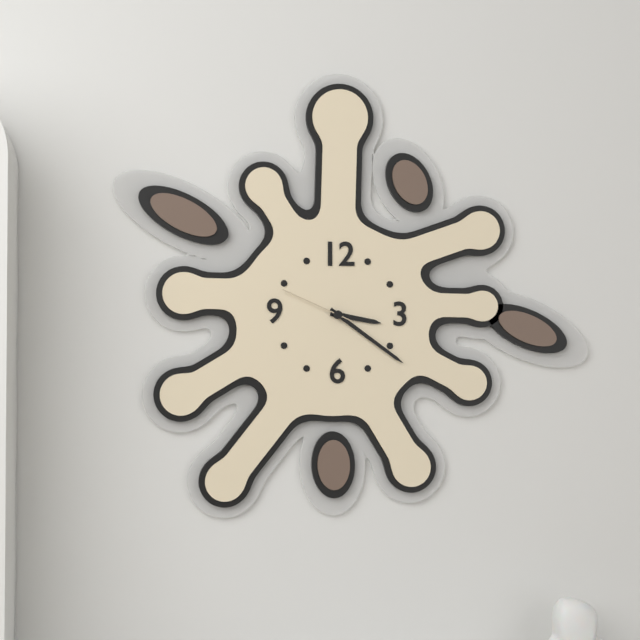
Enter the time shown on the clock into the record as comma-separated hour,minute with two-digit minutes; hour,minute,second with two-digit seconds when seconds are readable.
3,21,49
